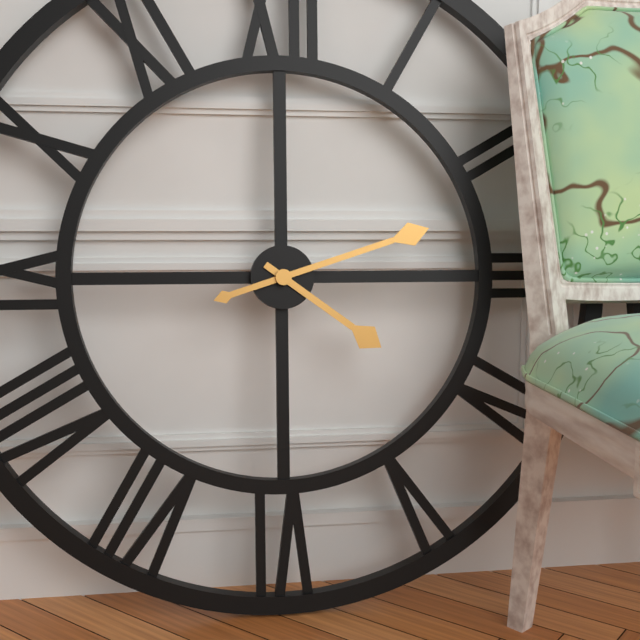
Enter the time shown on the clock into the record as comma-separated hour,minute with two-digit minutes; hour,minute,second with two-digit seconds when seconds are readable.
4,12
